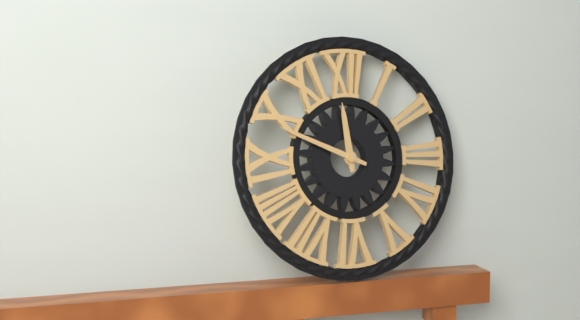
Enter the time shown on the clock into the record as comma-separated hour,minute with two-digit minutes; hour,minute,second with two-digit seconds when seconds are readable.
11,49
